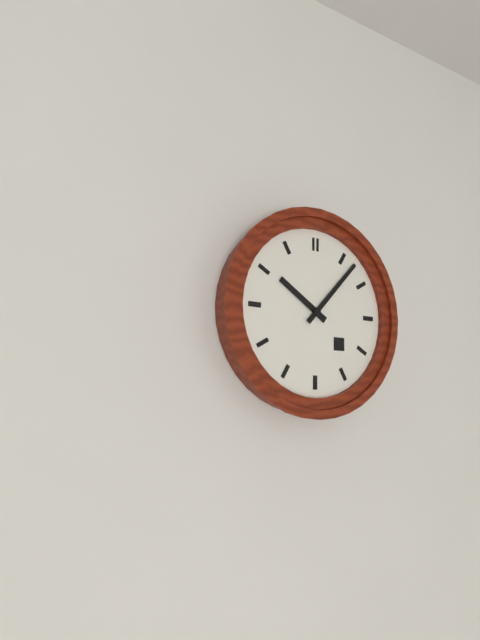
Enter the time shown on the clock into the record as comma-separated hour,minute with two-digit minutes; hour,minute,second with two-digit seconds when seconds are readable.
10,07
